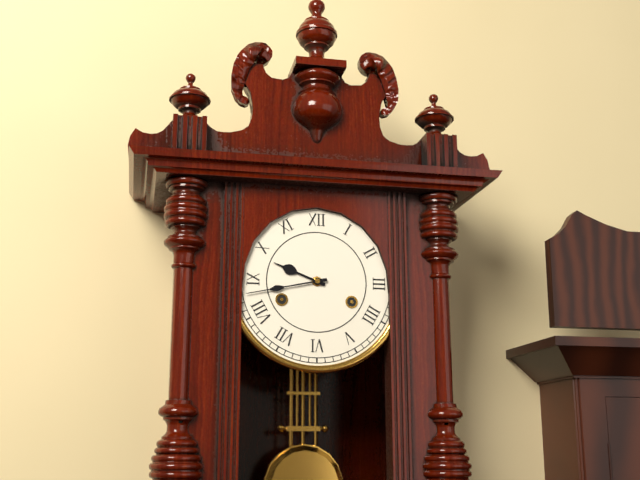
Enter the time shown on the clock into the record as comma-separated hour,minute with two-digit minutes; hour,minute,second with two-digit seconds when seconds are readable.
9,43
